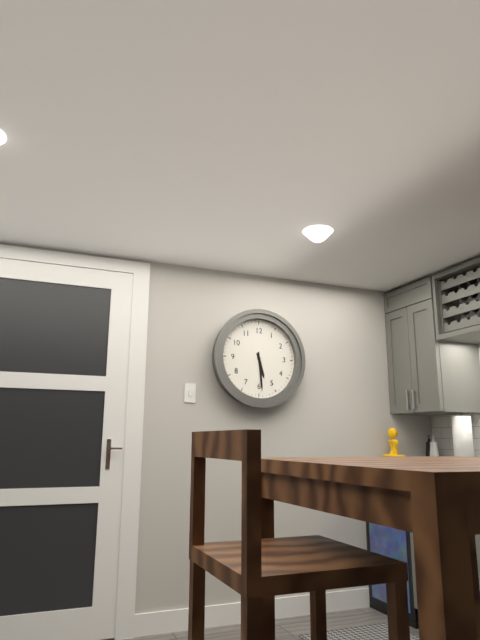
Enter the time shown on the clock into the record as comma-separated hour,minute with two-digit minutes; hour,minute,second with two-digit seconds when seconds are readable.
5,29
